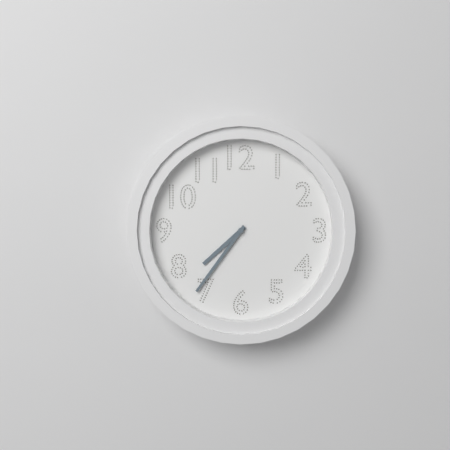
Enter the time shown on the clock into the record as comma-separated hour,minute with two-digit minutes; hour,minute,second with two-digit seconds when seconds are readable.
7,36
